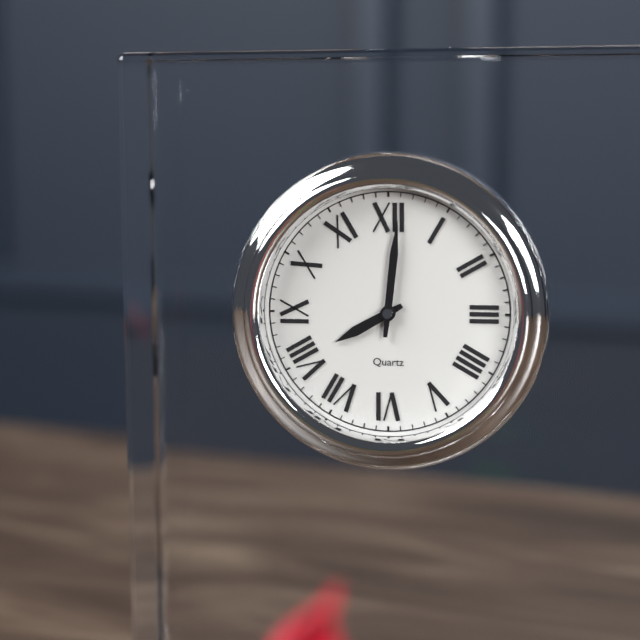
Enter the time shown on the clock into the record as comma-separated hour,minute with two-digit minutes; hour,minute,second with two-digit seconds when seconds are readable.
8,01
